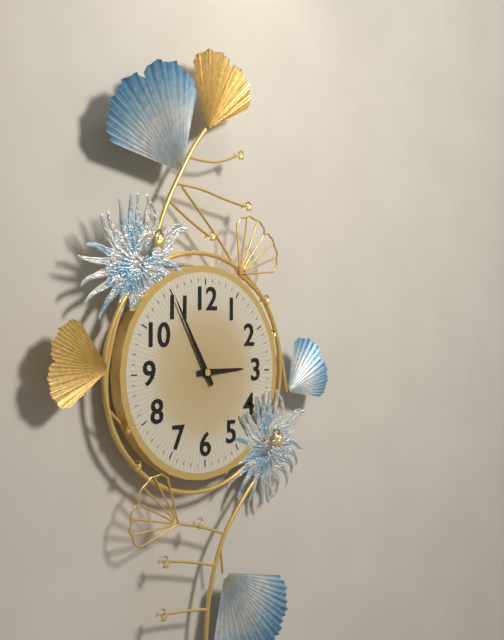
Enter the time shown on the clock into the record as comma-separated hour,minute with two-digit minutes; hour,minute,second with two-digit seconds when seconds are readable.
2,55
